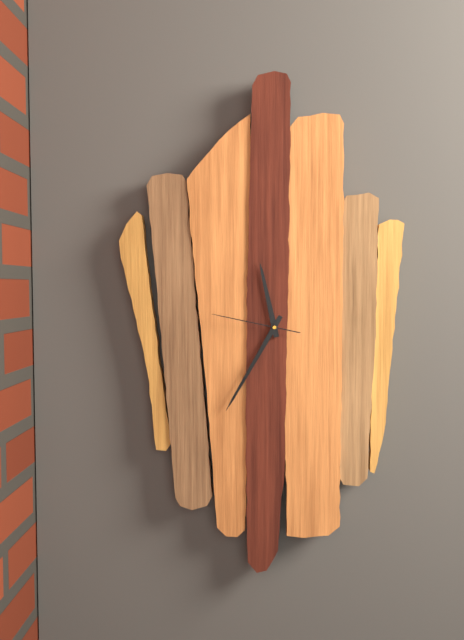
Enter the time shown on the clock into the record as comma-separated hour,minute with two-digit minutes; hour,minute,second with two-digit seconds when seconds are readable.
11,35,47
